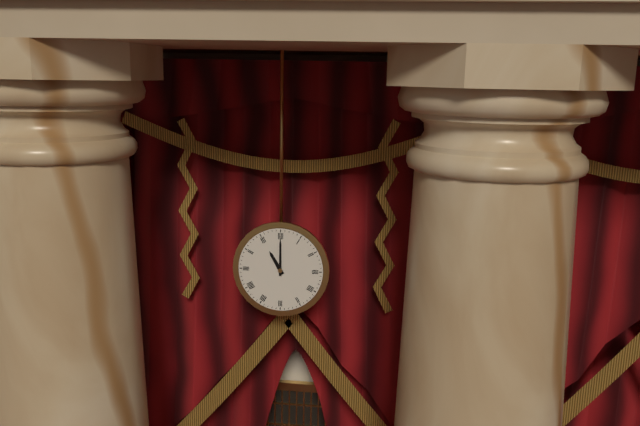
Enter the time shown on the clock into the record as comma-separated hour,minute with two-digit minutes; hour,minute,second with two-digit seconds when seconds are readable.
11,00
